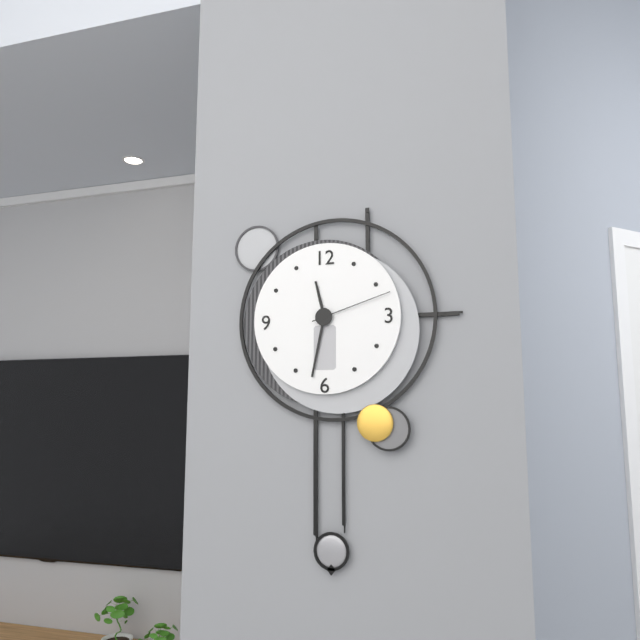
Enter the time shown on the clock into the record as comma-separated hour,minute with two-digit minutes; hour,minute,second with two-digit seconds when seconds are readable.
11,32,12
